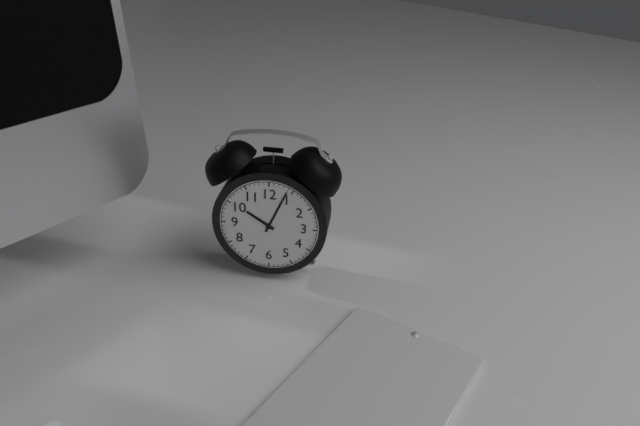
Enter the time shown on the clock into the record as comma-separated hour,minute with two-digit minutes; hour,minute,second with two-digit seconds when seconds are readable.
10,04
